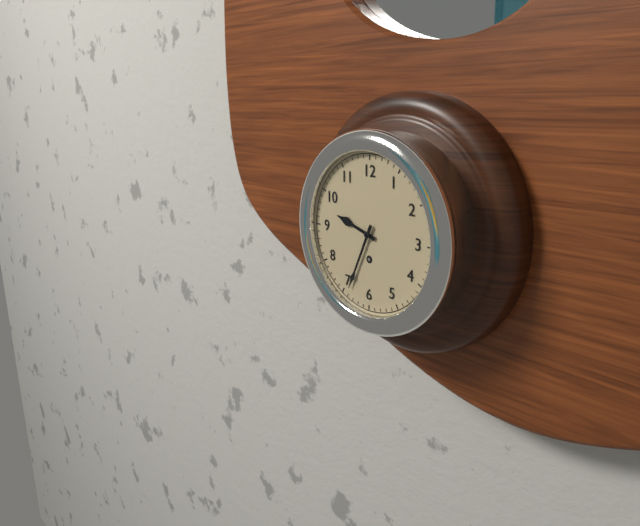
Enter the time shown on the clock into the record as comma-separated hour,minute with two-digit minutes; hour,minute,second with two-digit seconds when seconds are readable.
9,34
